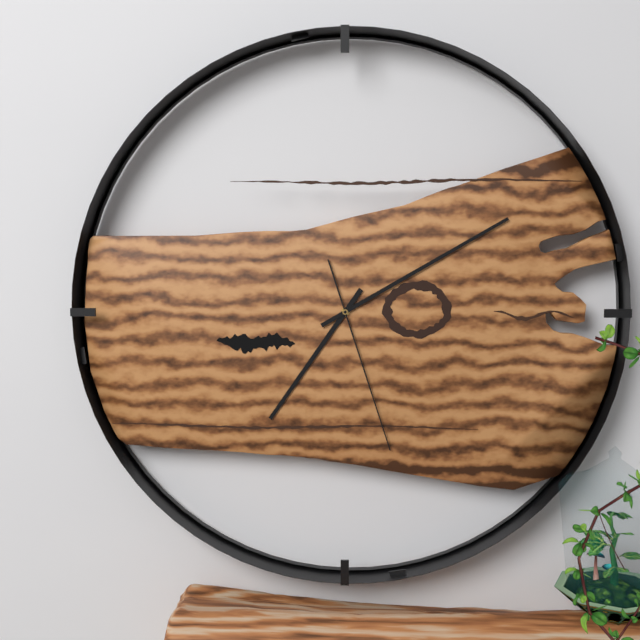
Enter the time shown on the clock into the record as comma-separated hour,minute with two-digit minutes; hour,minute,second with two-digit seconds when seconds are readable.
7,10,27
